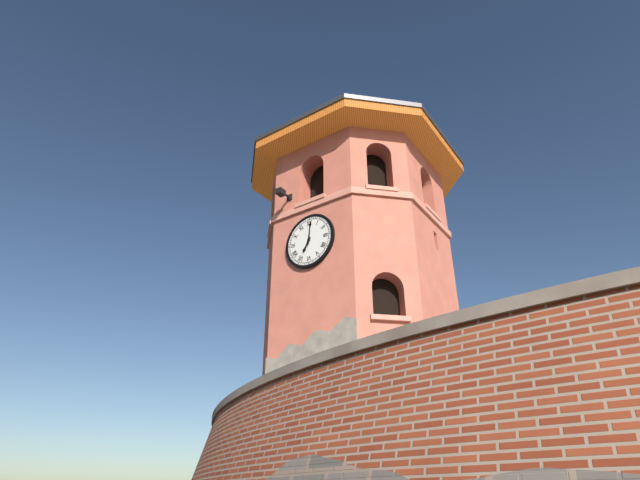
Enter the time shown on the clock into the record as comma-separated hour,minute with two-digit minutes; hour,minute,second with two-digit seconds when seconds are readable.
7,01
